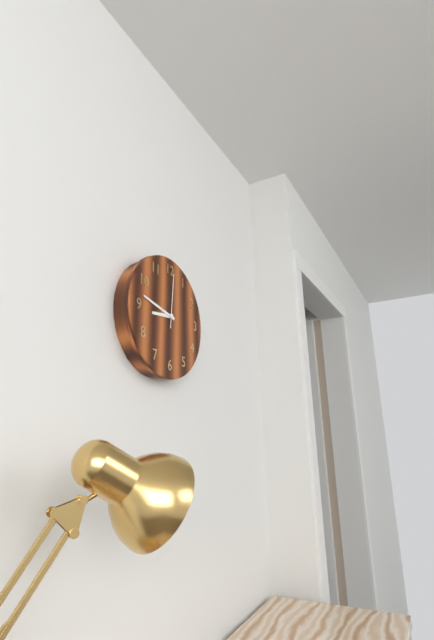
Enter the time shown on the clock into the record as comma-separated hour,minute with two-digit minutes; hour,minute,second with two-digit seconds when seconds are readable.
8,47,01
